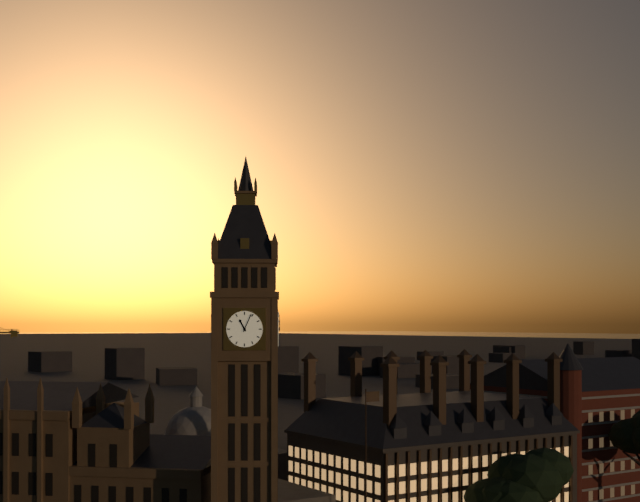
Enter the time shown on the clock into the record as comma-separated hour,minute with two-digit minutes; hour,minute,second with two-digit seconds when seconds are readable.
11,04
